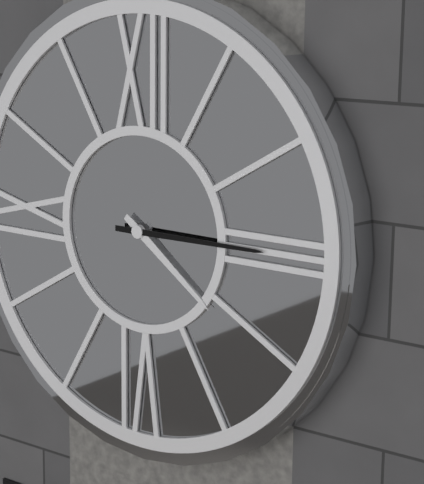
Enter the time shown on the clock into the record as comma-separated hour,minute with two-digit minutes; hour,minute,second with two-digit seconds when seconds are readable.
4,15
